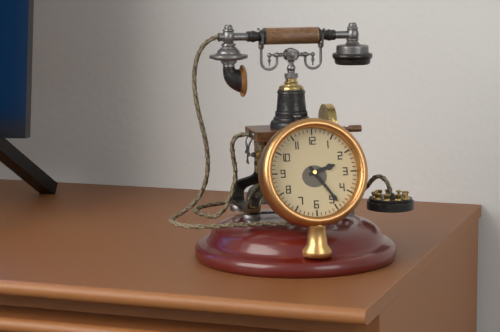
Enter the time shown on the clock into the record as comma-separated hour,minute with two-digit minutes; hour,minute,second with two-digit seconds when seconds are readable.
2,24
